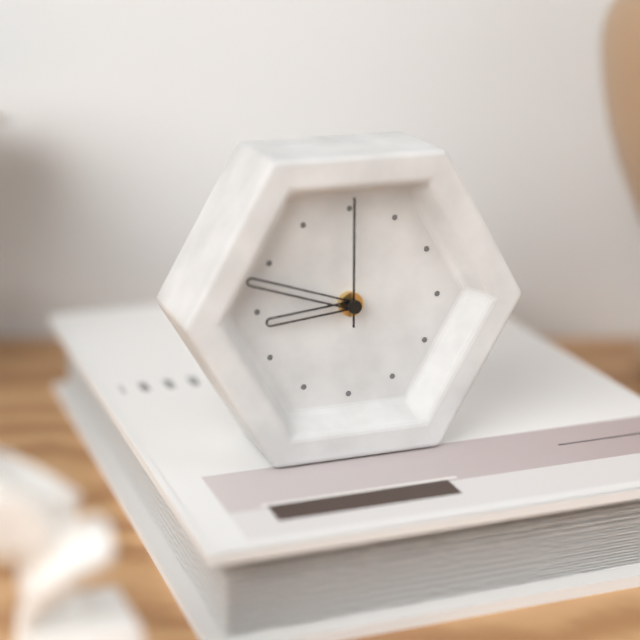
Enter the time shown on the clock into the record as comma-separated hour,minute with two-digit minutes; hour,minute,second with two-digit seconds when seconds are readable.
8,48,00
